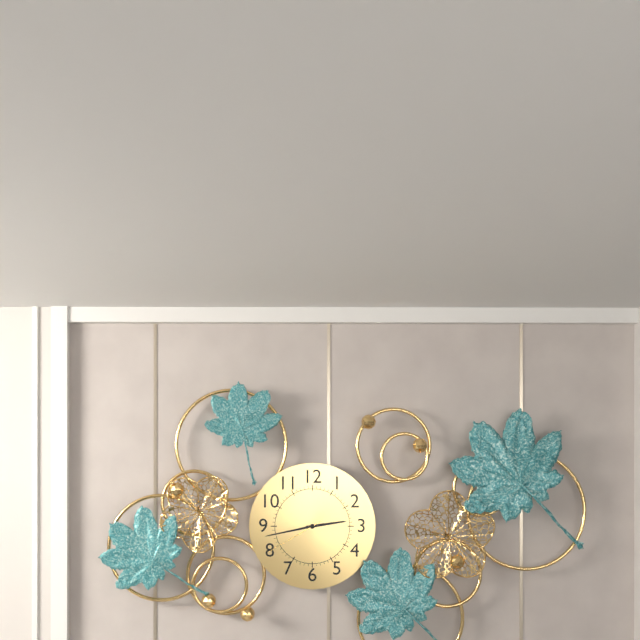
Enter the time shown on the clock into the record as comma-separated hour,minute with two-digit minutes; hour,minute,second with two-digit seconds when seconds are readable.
2,43,40
